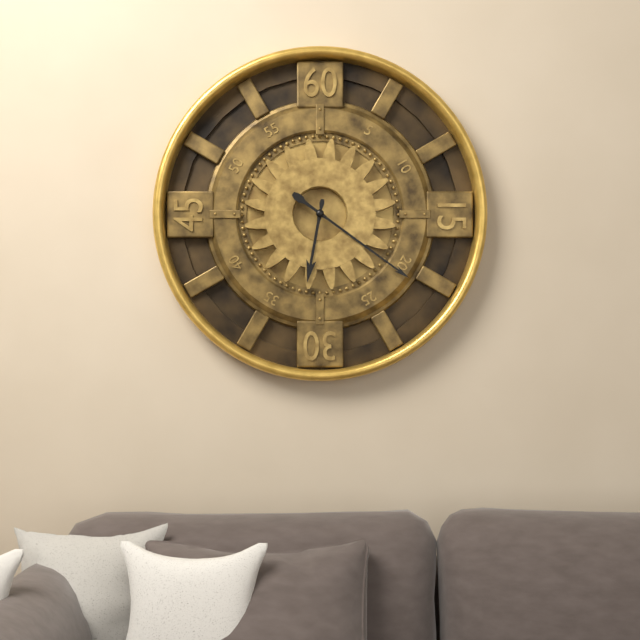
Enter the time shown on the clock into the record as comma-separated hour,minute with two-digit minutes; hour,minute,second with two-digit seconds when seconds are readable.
6,21
